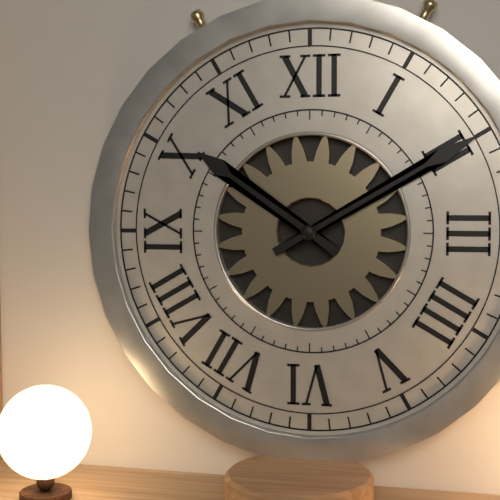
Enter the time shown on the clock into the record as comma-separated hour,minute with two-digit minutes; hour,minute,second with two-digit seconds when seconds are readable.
10,10
